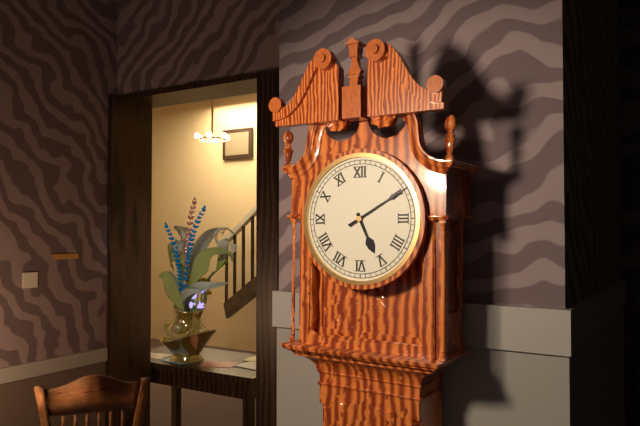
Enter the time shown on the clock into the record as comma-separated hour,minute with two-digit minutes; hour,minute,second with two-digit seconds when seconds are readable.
5,10
